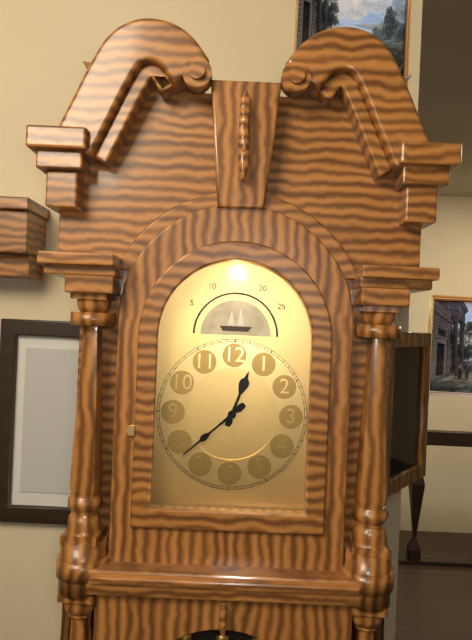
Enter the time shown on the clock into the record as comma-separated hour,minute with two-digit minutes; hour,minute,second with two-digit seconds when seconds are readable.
12,38
